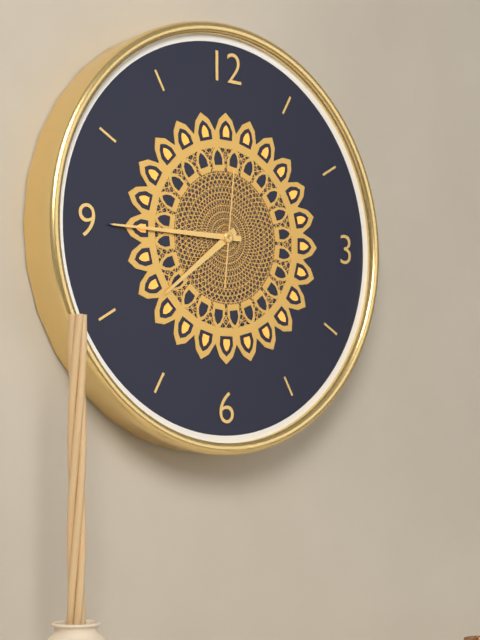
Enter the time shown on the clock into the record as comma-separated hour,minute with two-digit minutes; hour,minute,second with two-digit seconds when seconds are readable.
7,45,01
